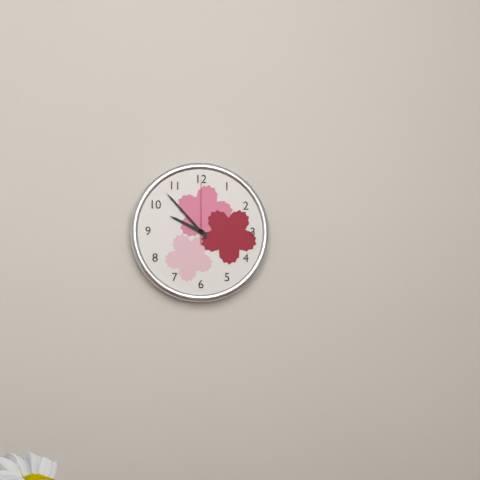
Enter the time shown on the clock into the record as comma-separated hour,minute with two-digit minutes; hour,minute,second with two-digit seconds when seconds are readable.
9,53,00
